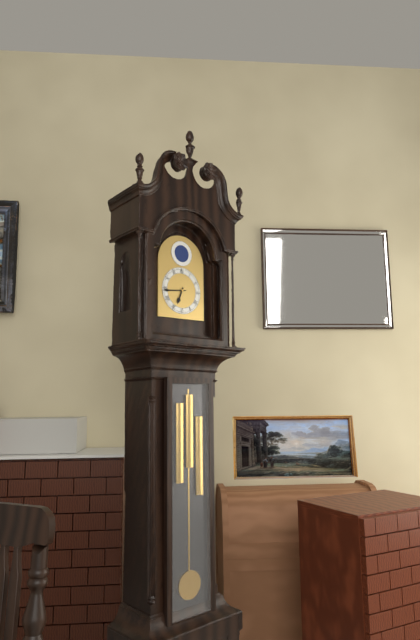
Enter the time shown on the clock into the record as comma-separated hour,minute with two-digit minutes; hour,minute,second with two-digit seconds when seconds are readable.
6,44
